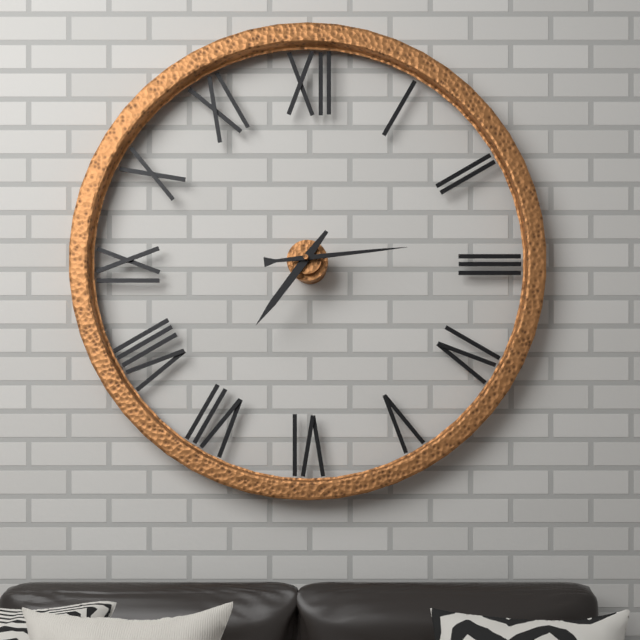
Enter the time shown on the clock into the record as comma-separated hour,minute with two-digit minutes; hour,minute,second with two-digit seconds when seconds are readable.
7,14
